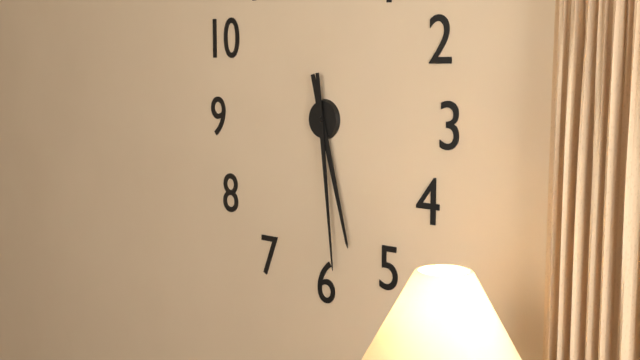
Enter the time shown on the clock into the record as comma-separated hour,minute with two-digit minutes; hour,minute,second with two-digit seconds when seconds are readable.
5,29
